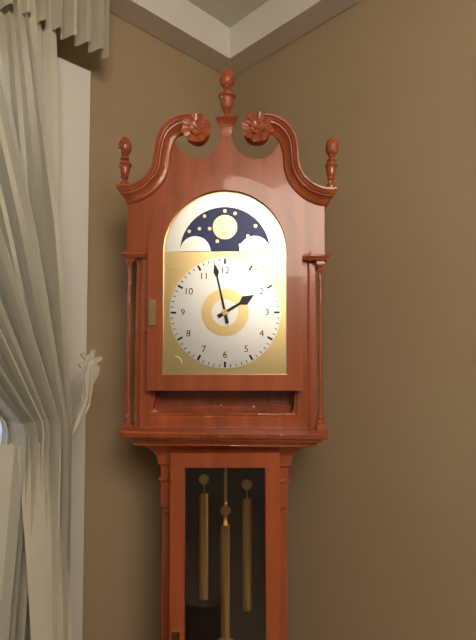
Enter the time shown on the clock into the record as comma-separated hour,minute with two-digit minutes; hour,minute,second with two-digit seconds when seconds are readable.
1,58
